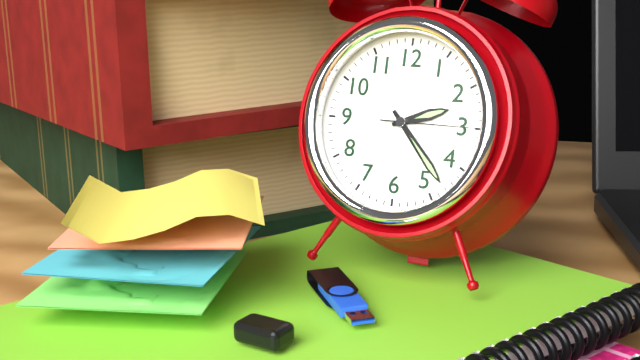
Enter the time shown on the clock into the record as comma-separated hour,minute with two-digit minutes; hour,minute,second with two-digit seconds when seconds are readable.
2,23,15
